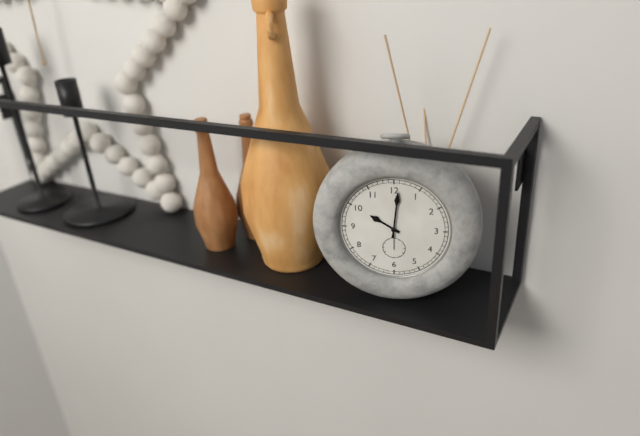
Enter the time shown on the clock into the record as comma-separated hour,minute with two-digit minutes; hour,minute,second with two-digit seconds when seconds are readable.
10,01
